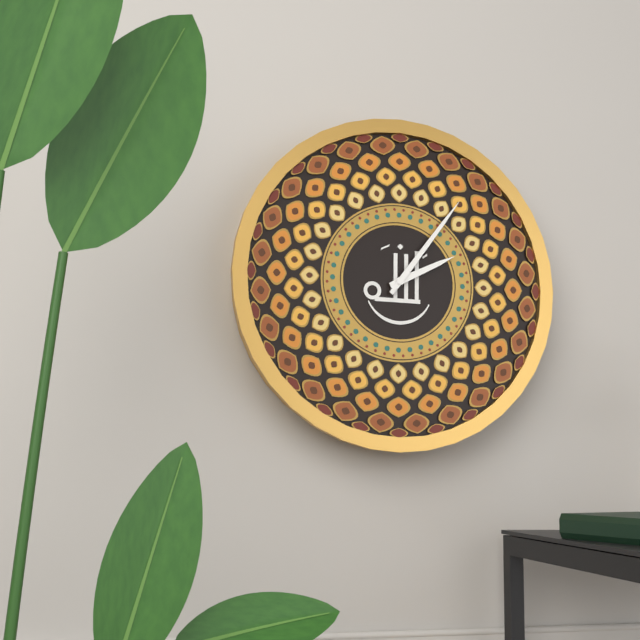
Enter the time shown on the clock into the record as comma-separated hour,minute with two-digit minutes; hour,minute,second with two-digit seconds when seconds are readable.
2,06
